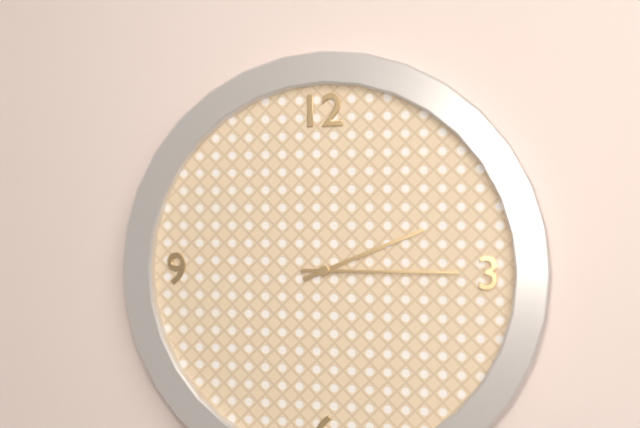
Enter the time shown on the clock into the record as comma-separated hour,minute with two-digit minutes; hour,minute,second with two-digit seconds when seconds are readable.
2,15
